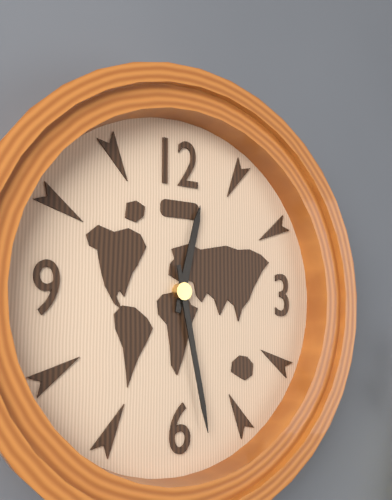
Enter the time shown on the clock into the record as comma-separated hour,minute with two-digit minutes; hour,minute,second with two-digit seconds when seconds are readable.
12,28
